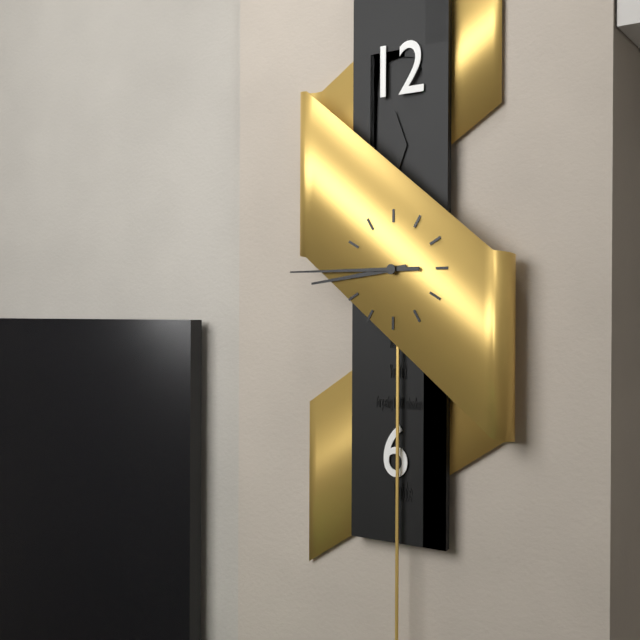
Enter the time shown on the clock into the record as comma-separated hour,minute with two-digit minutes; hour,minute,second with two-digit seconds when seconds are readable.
8,45
